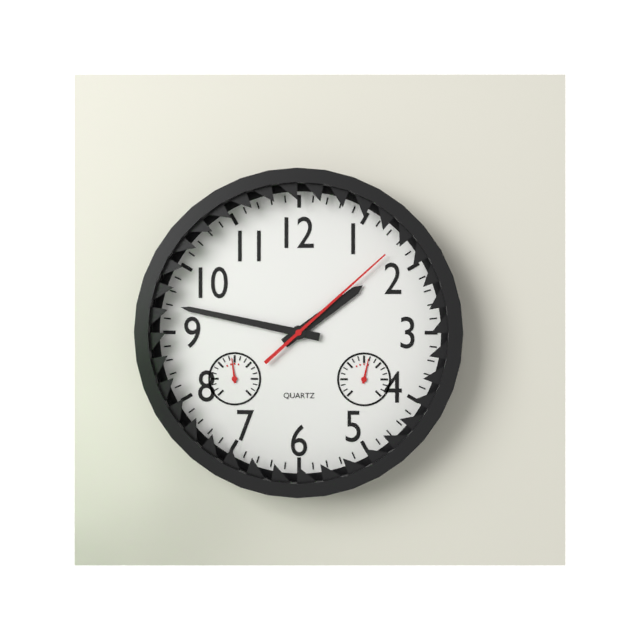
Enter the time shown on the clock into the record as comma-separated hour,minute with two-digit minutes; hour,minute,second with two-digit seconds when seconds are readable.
1,47,08
